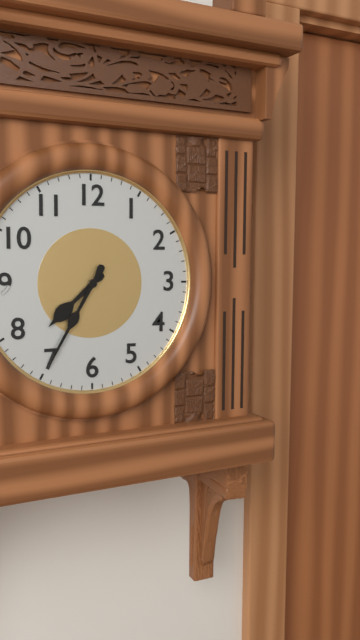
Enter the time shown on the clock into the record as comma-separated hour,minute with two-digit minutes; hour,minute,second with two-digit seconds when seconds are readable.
7,35
